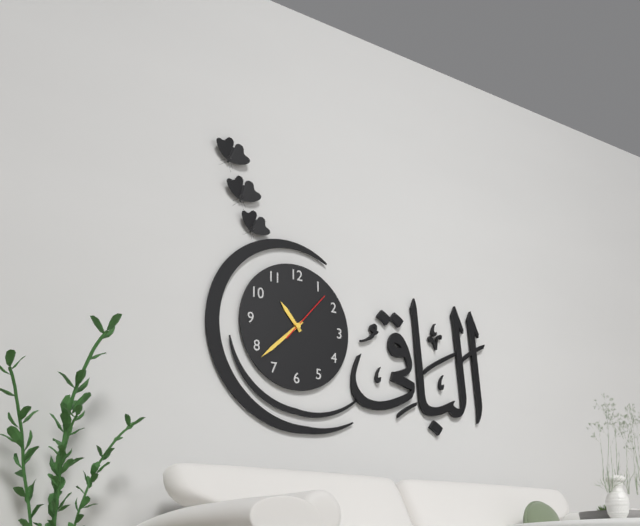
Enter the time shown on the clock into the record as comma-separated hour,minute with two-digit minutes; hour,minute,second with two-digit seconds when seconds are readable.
10,38,07
